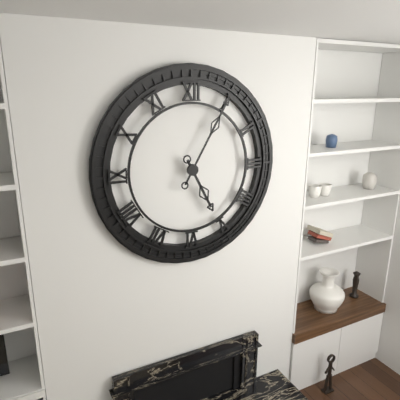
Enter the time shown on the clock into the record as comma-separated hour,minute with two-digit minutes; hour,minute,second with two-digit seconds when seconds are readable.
5,05
